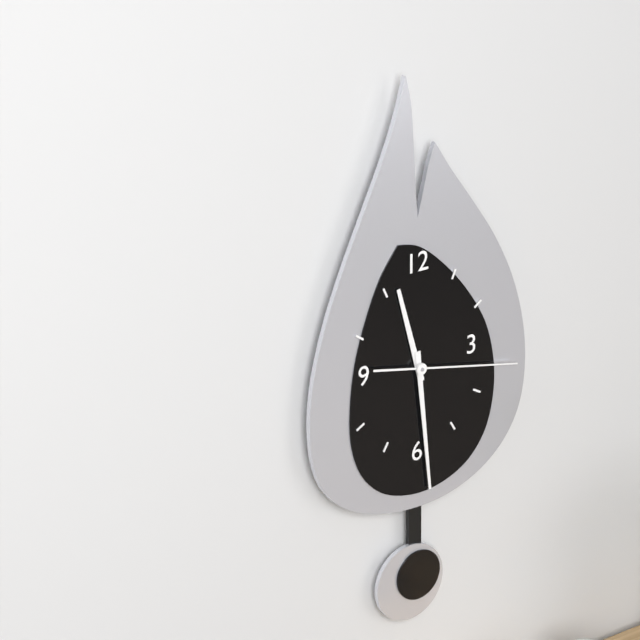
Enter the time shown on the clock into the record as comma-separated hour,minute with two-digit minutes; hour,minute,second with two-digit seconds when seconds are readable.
11,29,17
